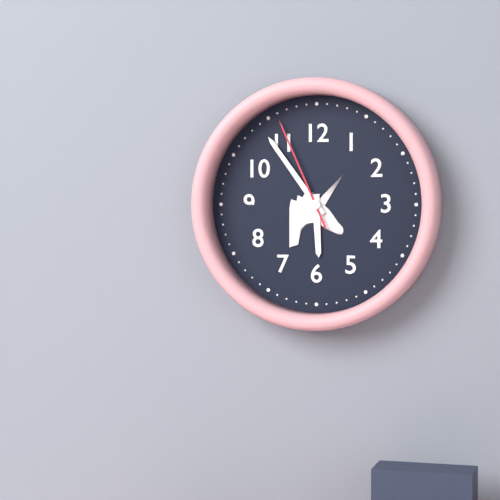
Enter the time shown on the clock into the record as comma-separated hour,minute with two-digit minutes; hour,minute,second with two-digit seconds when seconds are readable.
5,54,56
